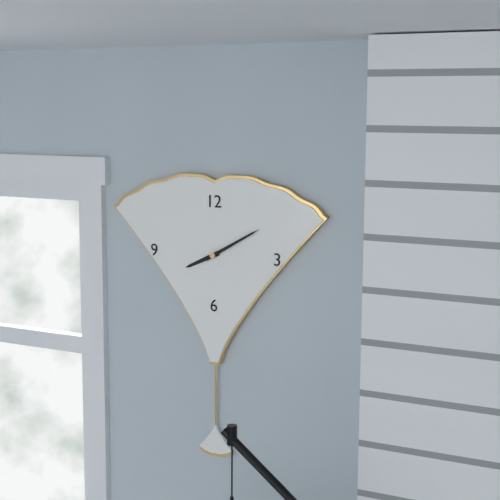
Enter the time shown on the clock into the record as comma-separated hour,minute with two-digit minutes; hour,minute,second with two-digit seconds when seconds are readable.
8,10
